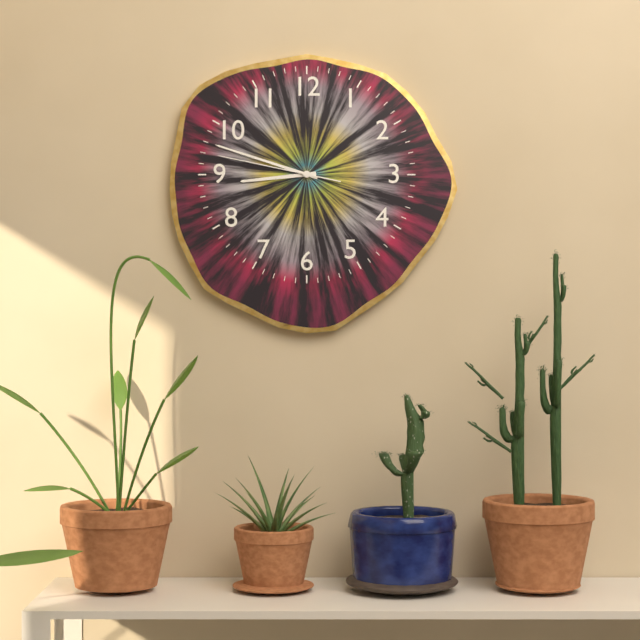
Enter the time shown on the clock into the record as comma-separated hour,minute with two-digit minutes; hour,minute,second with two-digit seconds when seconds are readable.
8,48,47
